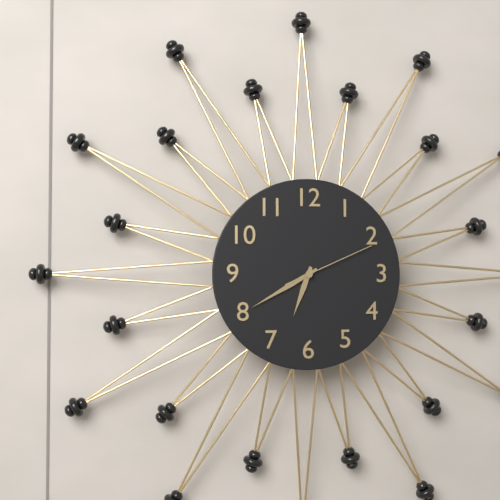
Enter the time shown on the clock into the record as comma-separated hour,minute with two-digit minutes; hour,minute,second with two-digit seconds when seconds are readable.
6,40,11
